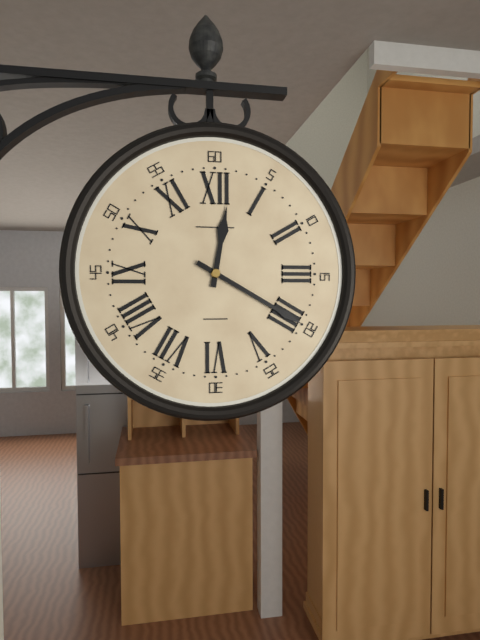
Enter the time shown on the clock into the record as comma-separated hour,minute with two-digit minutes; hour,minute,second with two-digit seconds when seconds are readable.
12,20
